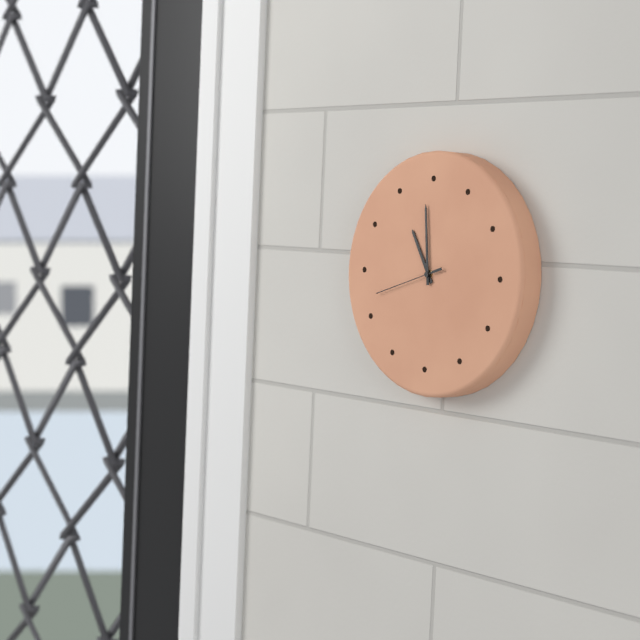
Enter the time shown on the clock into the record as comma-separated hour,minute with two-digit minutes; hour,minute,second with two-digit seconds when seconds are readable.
10,59,42
